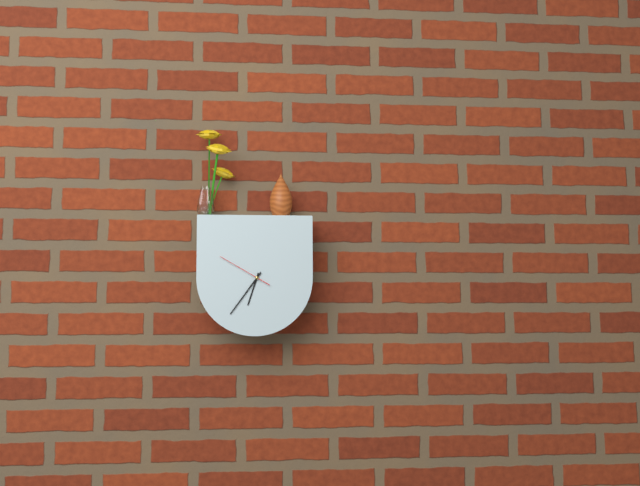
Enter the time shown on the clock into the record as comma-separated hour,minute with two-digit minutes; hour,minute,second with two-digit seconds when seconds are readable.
6,36,50
